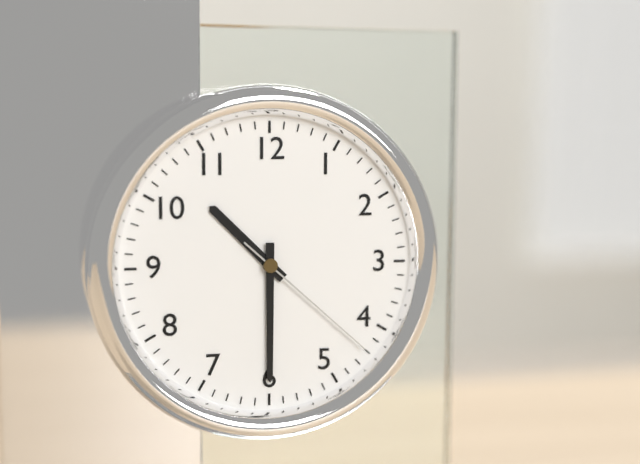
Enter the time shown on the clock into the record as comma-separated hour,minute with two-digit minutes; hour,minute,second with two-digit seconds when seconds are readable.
10,30,22
